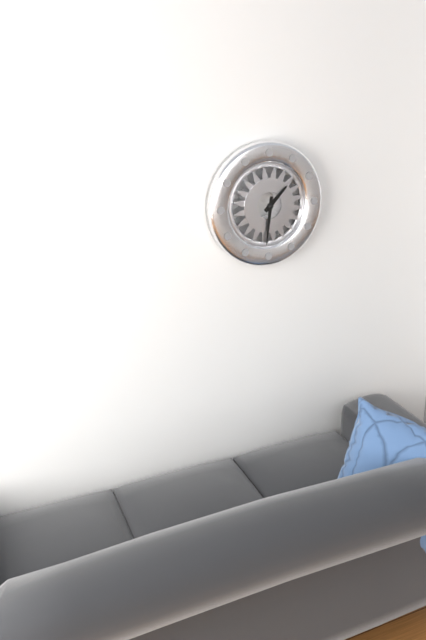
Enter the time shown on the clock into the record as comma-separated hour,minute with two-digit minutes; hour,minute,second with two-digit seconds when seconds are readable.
1,31
